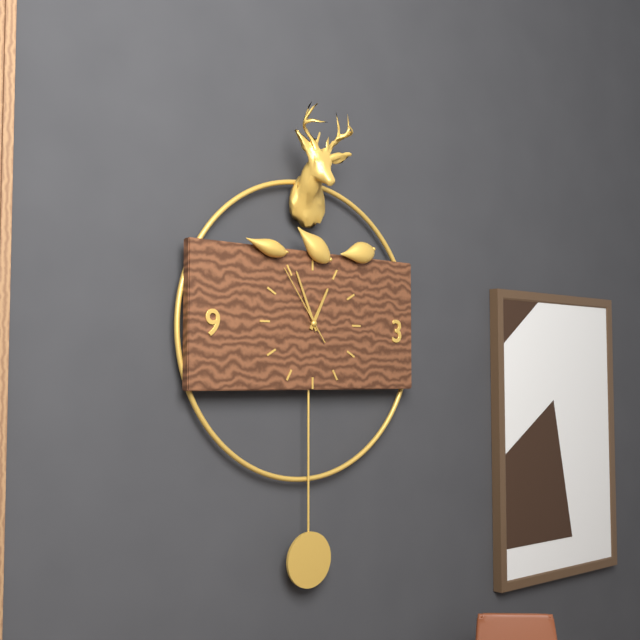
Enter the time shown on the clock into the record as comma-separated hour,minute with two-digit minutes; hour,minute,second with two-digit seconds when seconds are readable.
12,56,54
